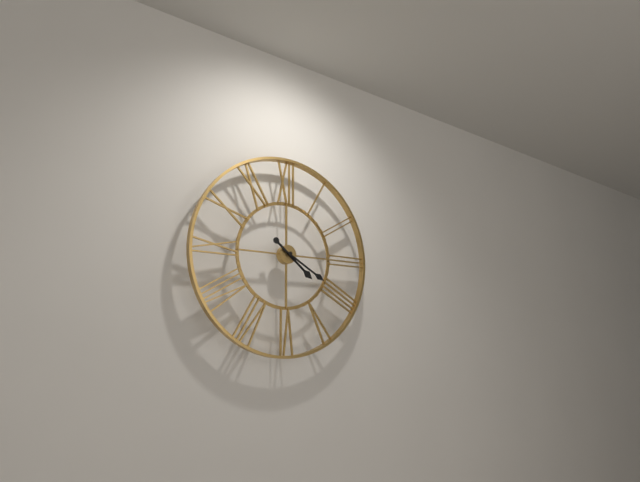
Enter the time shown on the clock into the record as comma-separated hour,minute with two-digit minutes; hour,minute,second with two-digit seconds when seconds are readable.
4,20
